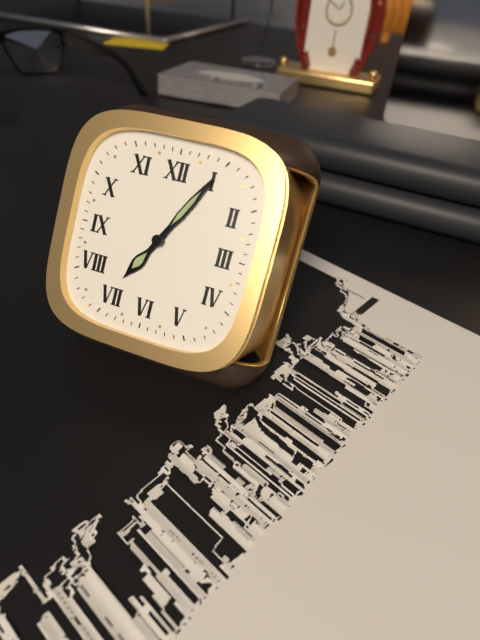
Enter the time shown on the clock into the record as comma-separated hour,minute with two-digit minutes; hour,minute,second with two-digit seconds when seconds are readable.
7,05
